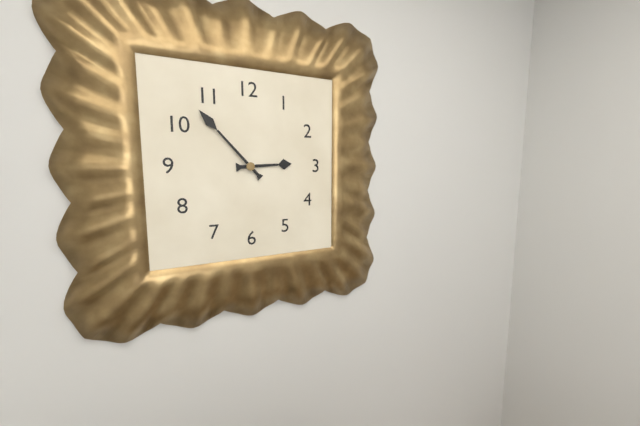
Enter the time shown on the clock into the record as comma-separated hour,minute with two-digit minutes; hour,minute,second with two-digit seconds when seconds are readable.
2,53
